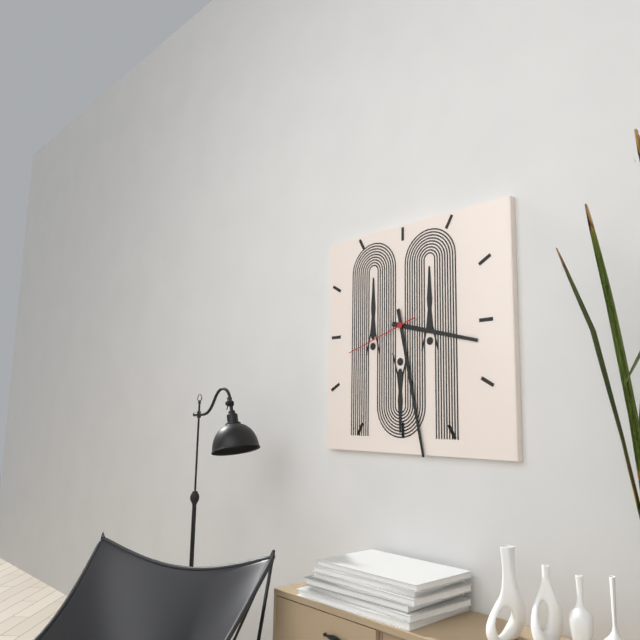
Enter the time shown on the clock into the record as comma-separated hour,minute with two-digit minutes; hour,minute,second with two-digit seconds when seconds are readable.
3,28,42
